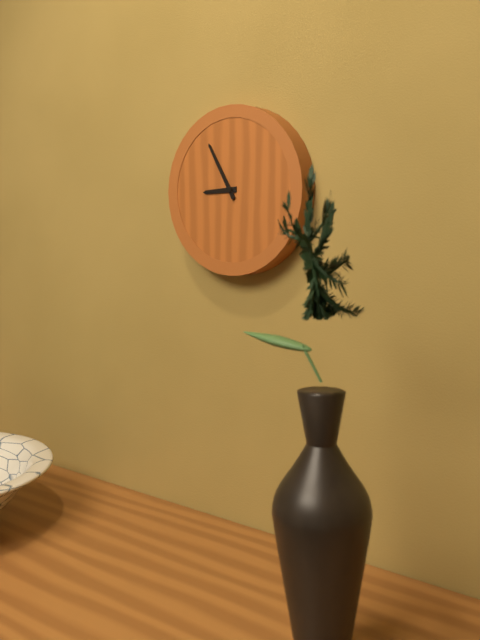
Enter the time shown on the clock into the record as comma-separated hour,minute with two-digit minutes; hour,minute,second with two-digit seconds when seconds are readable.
8,55
